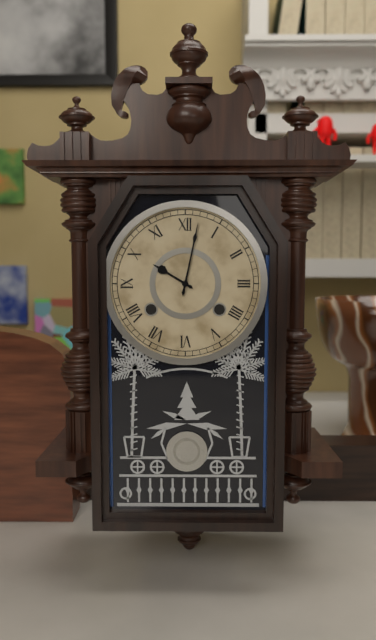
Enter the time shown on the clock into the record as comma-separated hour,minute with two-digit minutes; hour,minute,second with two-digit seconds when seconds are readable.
10,02
